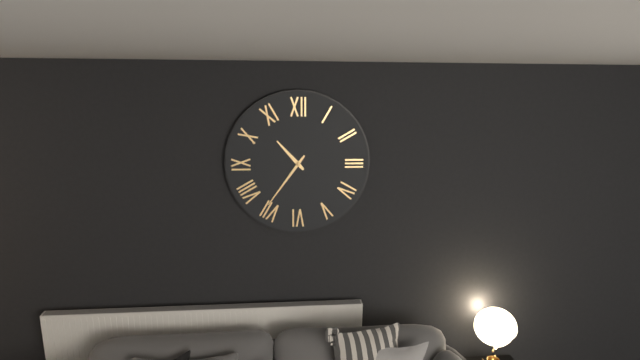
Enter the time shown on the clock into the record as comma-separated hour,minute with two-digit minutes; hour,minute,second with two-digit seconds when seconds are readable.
10,36
